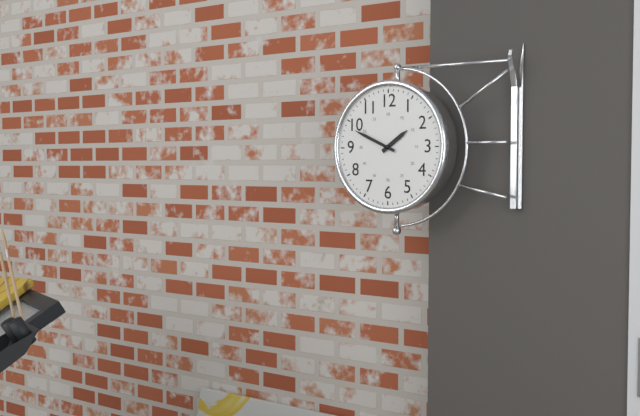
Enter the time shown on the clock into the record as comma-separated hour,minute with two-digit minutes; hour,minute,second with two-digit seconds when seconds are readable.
1,49
